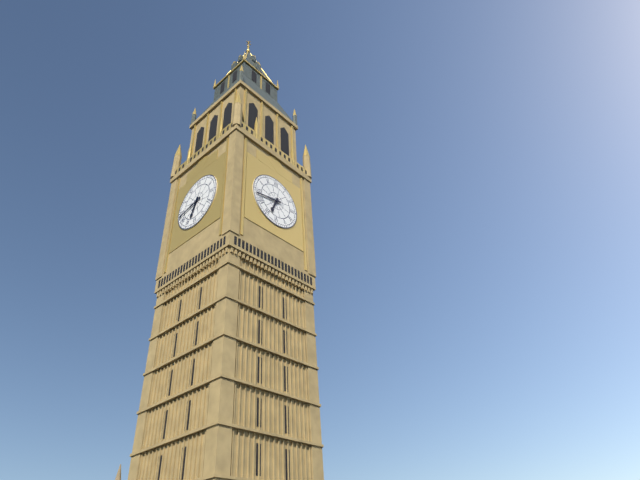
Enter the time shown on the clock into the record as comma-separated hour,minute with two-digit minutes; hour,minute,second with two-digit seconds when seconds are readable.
6,43
